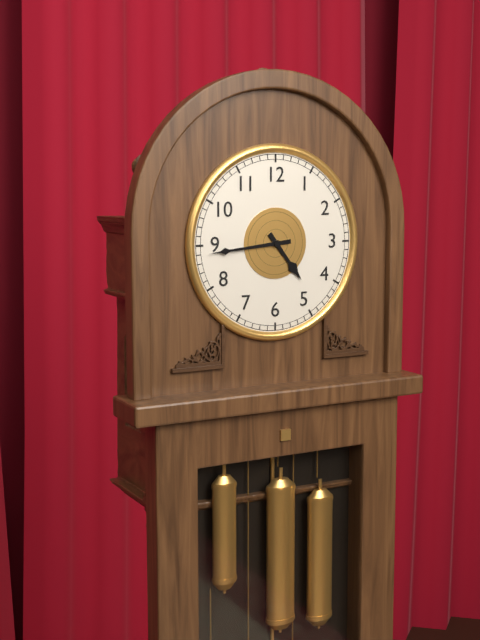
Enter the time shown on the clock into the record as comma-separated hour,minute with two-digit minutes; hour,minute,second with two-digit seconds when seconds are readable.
4,44
